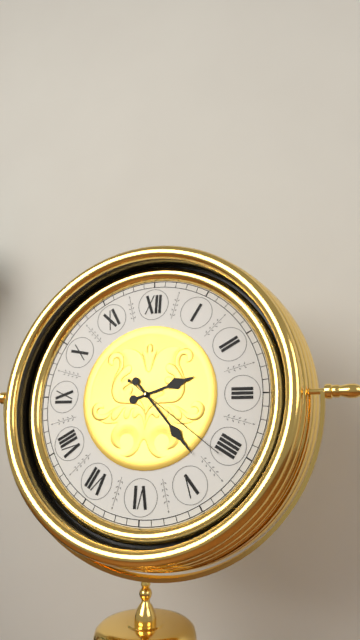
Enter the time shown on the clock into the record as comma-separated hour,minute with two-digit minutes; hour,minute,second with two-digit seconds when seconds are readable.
2,23,21
